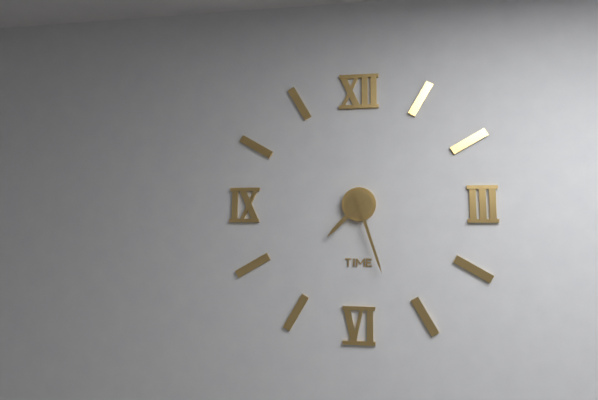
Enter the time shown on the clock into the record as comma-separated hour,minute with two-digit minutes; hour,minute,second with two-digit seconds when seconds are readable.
7,27
